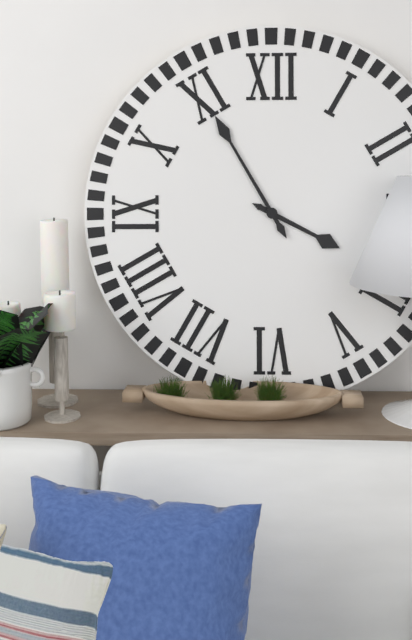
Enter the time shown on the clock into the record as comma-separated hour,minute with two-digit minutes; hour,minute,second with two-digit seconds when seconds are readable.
3,55
